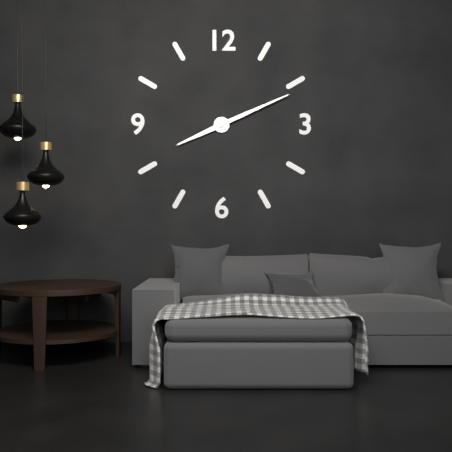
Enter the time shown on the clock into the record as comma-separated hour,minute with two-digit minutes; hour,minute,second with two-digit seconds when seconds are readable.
8,11
